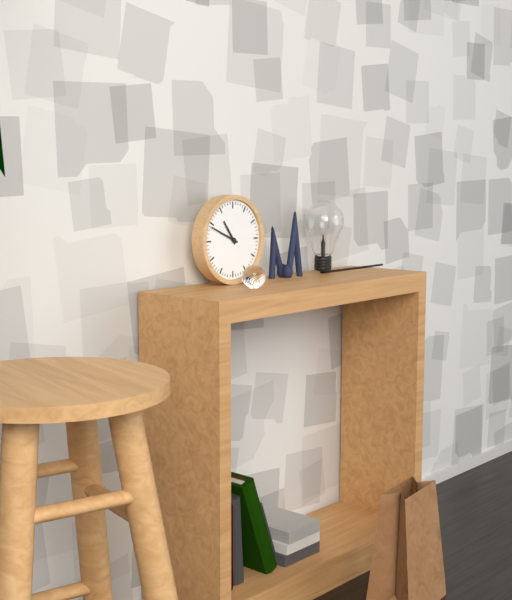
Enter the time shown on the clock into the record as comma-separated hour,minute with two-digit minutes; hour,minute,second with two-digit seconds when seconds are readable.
10,49
